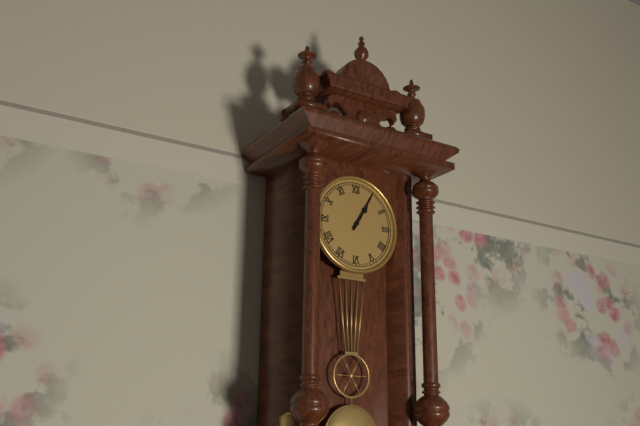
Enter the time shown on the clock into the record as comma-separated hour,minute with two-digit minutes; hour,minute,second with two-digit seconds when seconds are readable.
1,05
